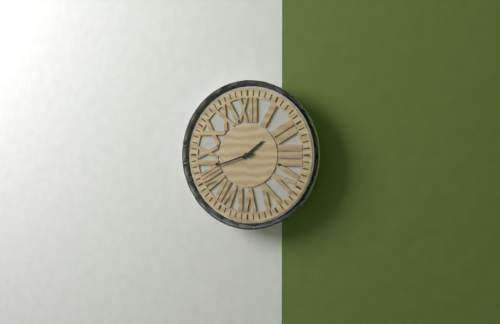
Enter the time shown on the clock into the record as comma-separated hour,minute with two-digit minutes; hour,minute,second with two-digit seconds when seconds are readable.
1,42
